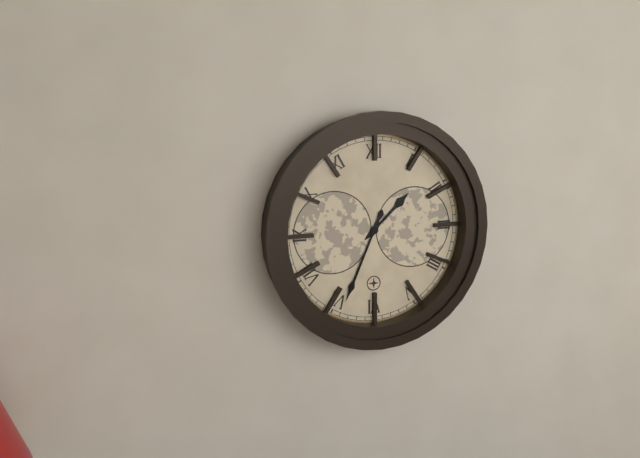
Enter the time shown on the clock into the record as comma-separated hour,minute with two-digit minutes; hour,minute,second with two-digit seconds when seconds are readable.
1,34
